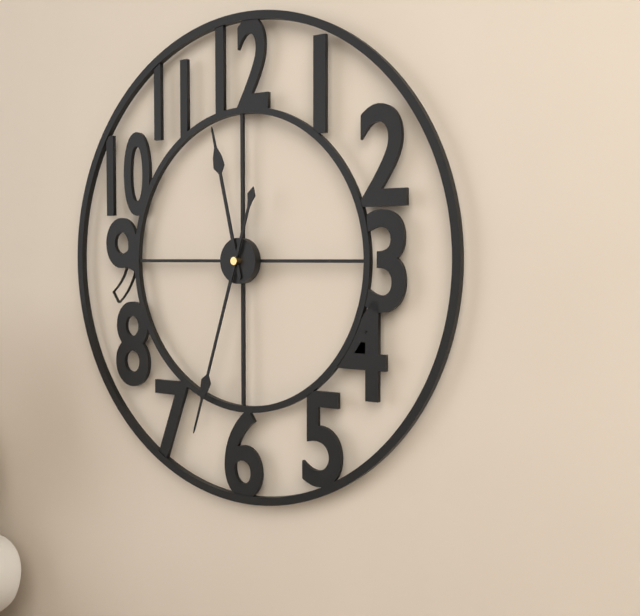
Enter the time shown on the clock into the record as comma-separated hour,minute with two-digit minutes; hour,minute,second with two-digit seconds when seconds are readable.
11,33
